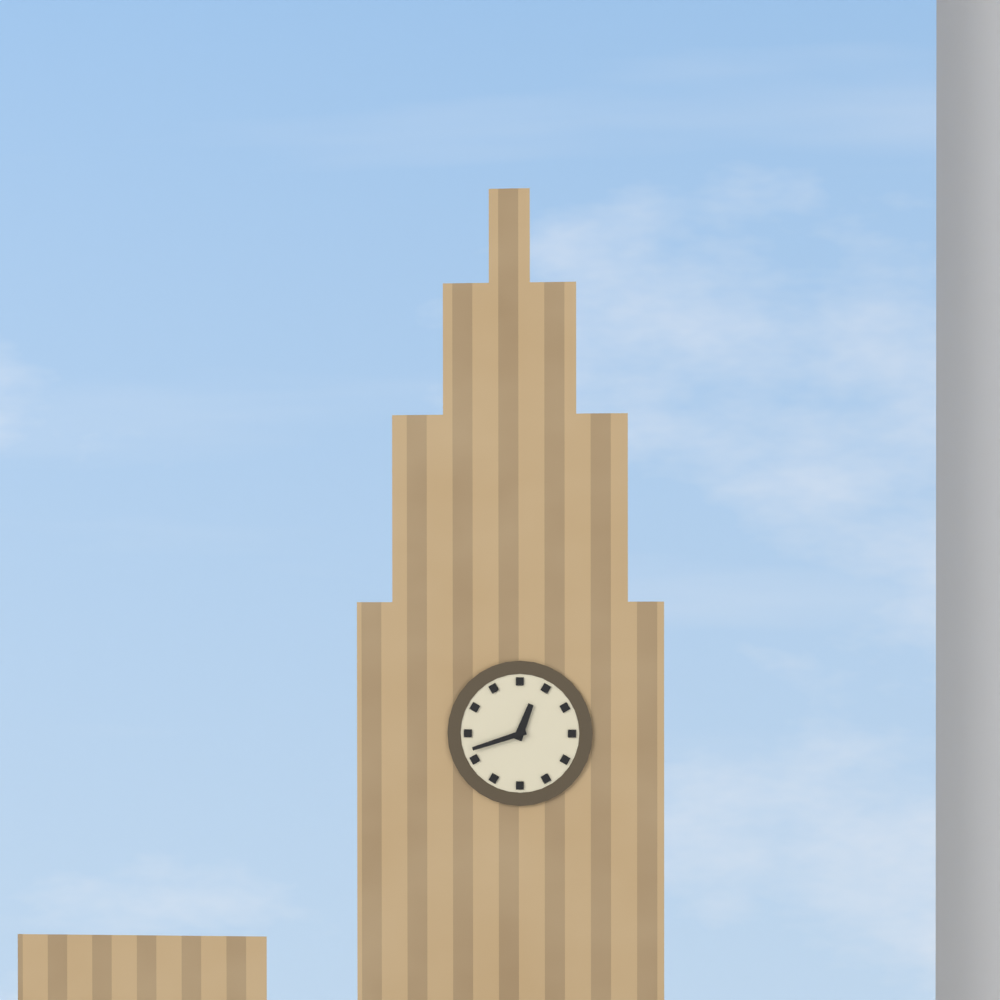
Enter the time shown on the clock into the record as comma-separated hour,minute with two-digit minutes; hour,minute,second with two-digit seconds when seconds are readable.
12,42
